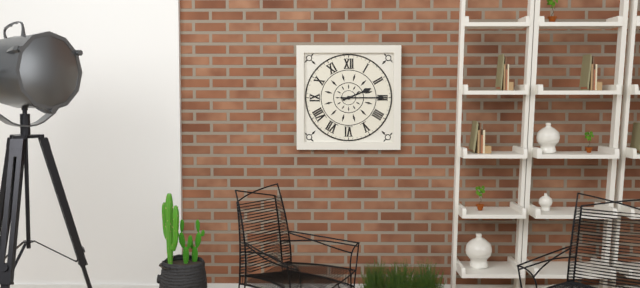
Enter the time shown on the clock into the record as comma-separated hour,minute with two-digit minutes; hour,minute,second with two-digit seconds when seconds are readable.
2,15
